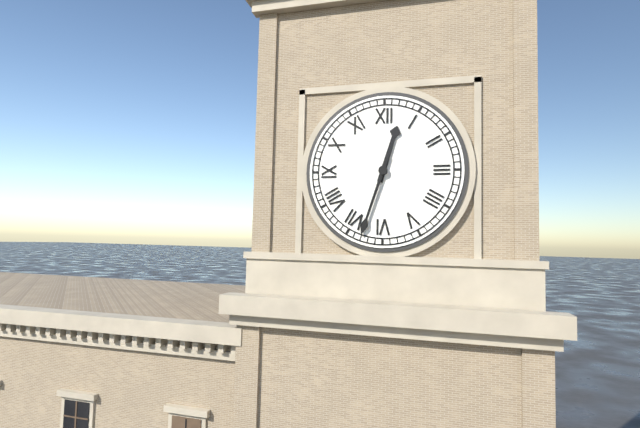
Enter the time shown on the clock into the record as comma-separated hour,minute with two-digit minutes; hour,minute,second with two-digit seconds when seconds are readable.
12,33
